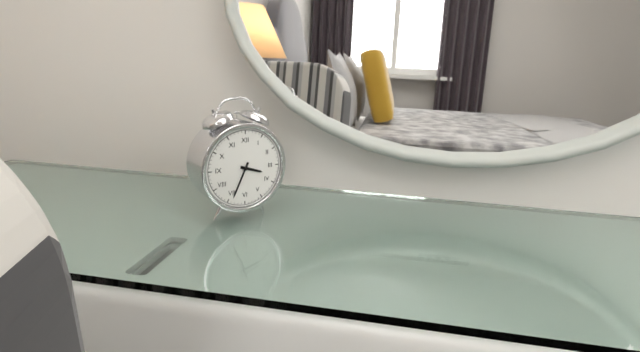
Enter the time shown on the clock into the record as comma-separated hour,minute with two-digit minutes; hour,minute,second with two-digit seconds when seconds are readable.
3,34
